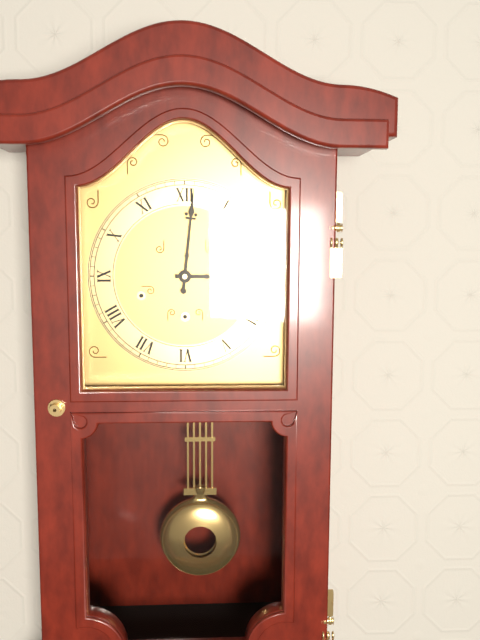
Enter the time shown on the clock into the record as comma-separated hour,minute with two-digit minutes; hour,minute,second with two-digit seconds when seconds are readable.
3,01
